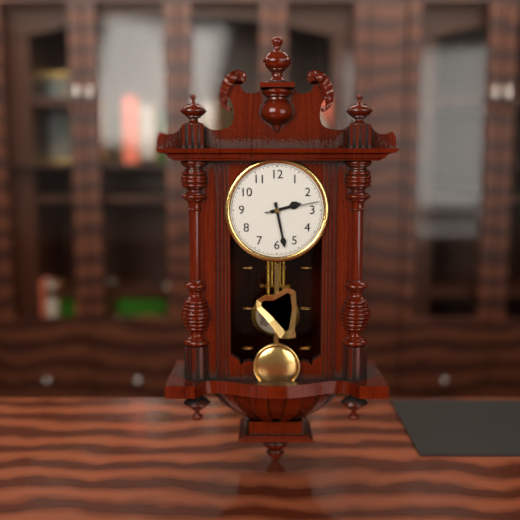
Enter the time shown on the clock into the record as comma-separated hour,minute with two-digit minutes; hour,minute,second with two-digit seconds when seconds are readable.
2,28,13
